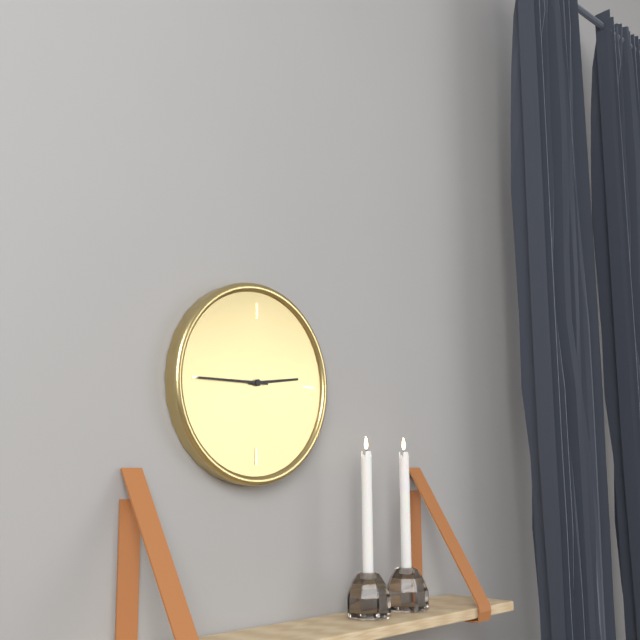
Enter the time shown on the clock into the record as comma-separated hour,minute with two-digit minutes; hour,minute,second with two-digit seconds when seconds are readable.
2,45
